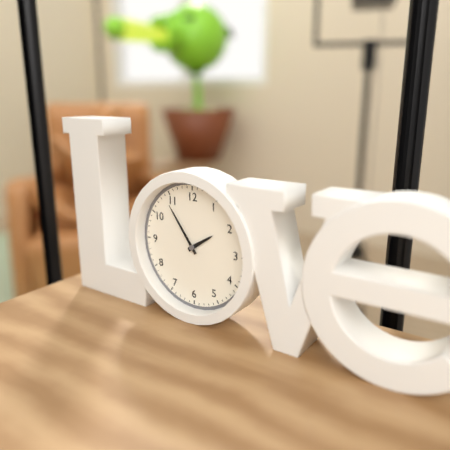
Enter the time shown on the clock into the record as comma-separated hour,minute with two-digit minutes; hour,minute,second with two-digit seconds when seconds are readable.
1,54
